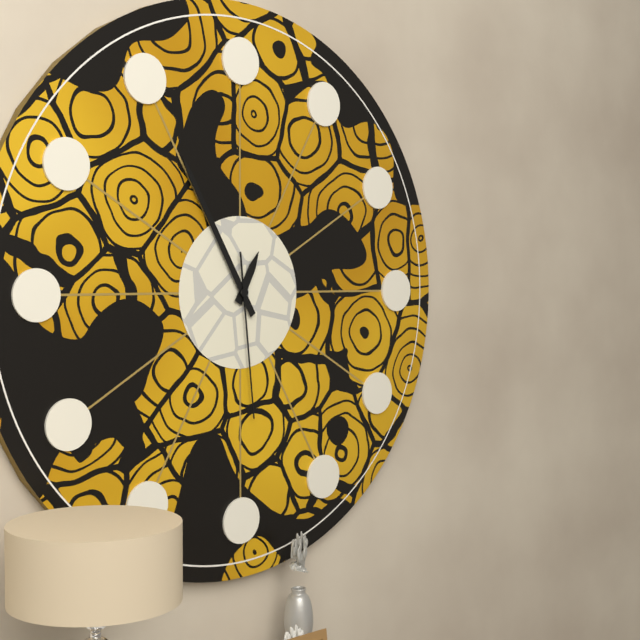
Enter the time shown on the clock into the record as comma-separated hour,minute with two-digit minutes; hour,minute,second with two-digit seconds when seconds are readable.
12,55,29
